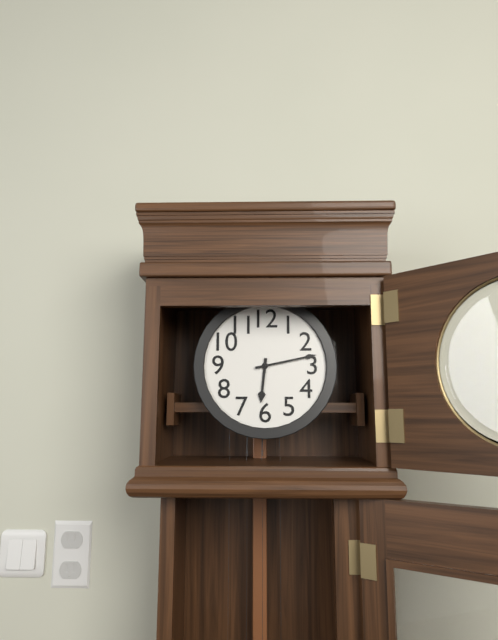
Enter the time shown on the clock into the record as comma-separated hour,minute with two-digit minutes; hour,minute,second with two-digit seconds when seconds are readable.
6,13
